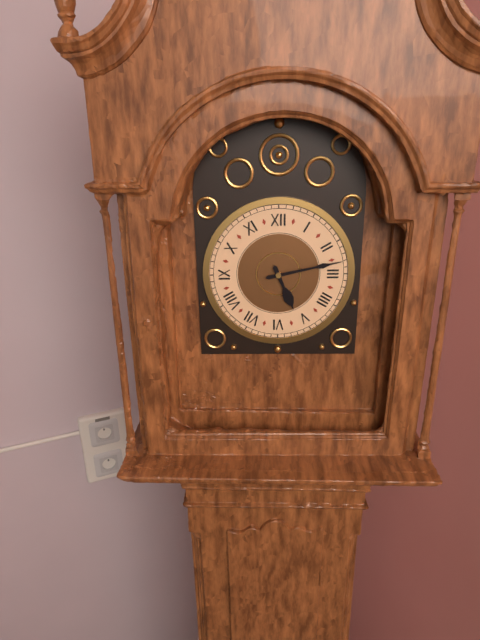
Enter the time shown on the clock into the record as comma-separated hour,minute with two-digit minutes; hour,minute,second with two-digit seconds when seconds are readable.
5,13
